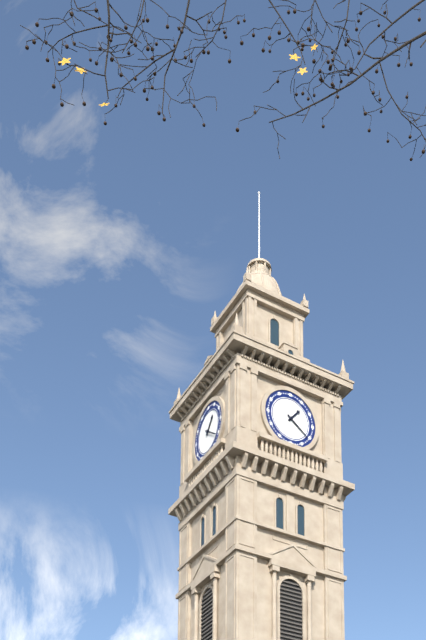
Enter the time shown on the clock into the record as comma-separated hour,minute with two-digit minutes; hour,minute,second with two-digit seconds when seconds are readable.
1,21
